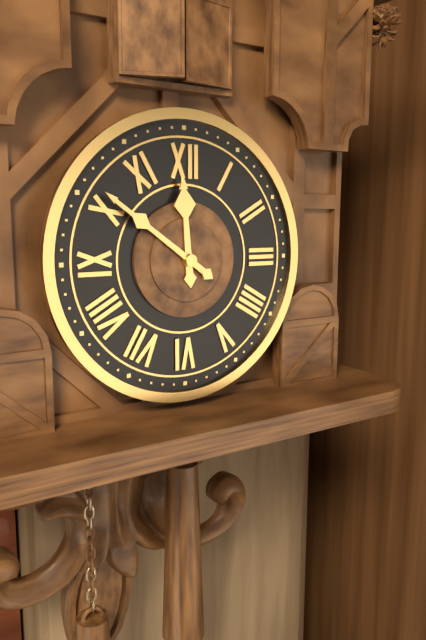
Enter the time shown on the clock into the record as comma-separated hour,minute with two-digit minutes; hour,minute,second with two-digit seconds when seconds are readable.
11,51
